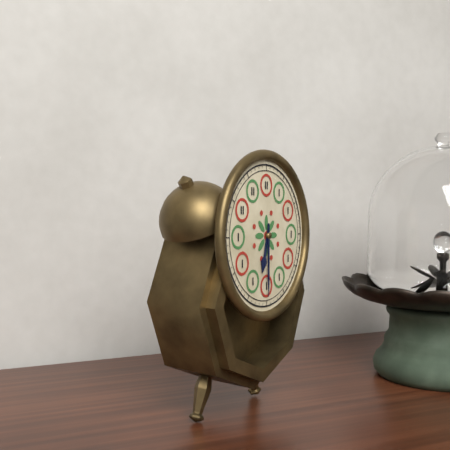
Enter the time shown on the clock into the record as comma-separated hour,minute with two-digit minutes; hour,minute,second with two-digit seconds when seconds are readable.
6,30
